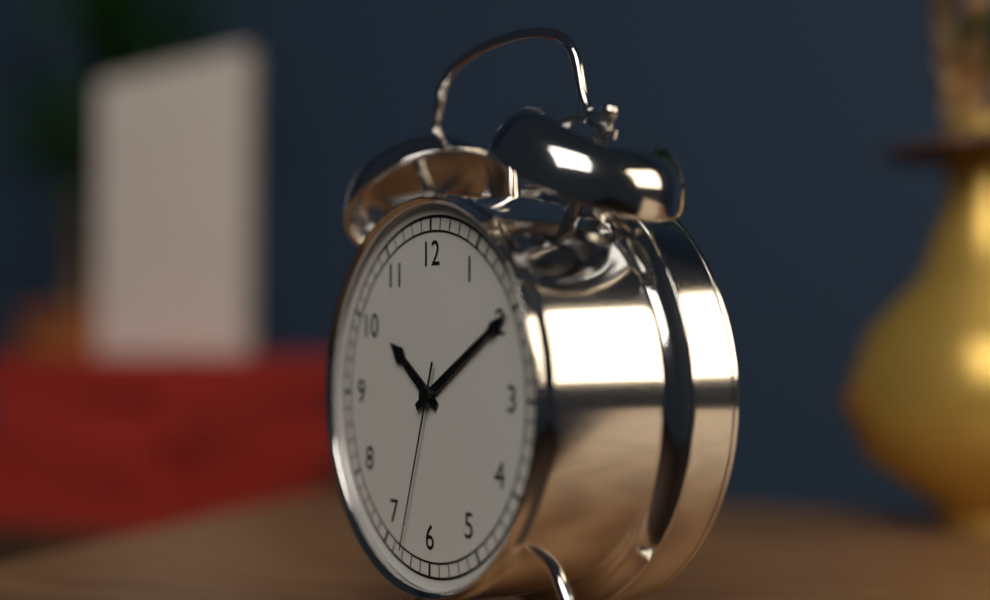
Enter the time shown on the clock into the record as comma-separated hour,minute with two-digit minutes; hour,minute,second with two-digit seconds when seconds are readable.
10,10,33
